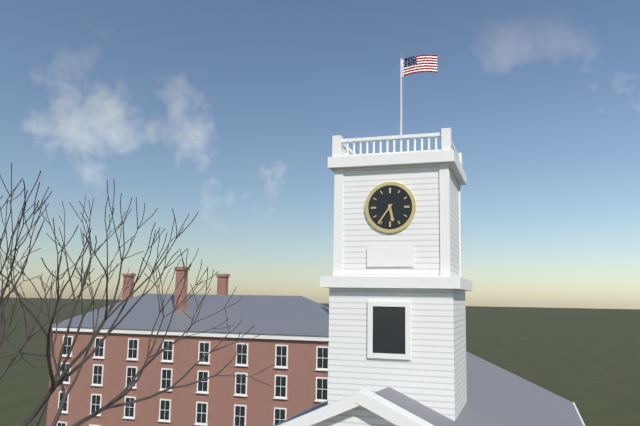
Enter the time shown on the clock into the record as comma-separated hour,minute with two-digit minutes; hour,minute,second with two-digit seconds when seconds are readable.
5,36
